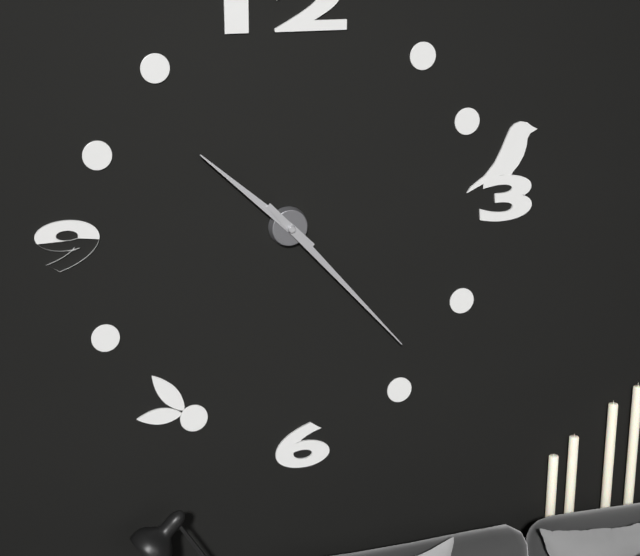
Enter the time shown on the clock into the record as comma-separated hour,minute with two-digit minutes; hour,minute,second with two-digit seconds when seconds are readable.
10,23
